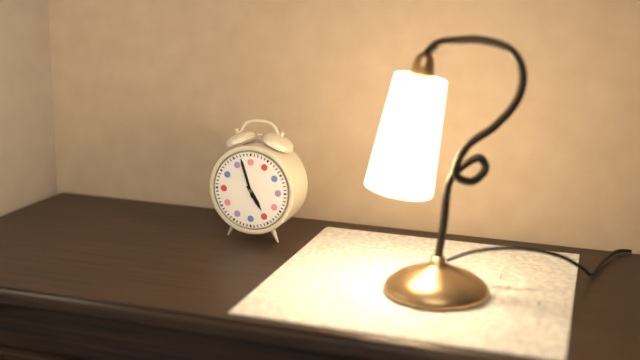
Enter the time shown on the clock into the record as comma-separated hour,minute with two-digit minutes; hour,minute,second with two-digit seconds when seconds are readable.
4,57
